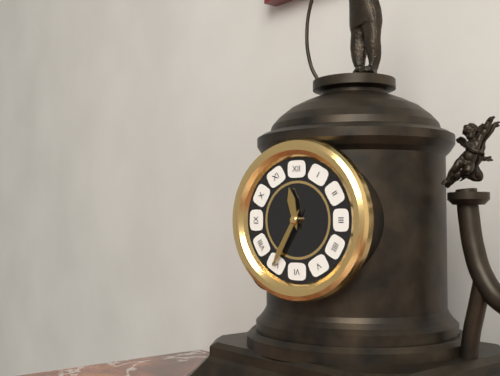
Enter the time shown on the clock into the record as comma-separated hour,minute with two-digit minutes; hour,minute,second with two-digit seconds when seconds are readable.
11,35
